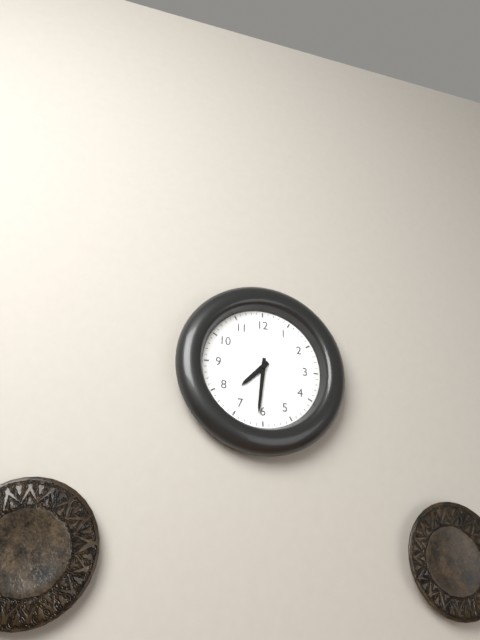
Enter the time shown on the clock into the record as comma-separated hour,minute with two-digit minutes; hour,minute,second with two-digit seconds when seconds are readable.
7,31
